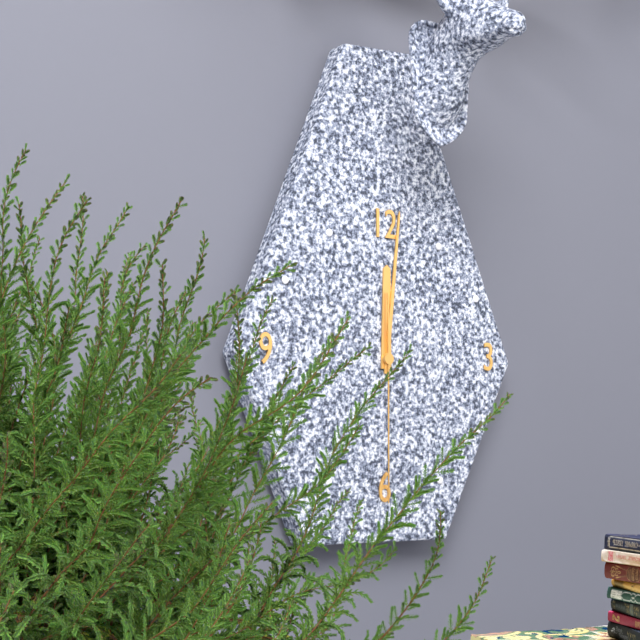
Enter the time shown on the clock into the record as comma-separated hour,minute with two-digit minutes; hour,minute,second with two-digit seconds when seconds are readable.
12,01,30
